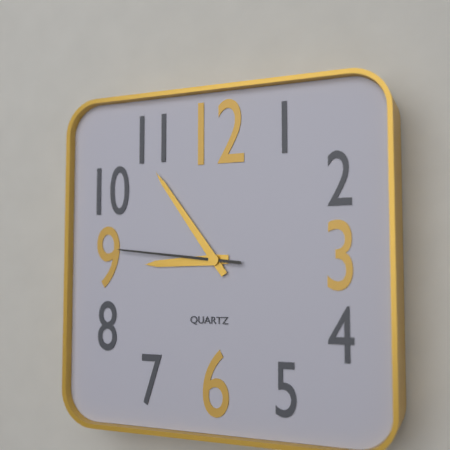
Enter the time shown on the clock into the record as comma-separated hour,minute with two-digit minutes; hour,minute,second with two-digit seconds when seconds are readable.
8,54,46
